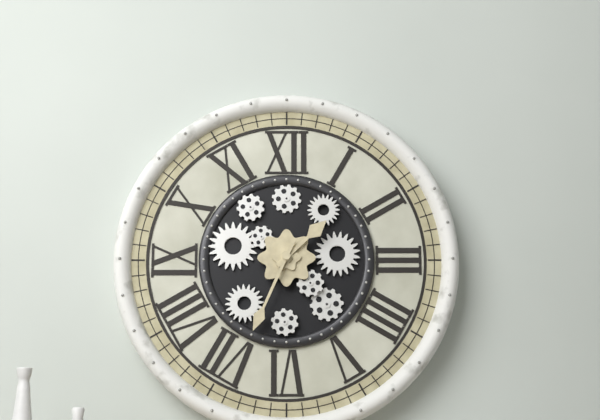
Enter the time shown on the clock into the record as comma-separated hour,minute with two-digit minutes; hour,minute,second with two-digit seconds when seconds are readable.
1,34
